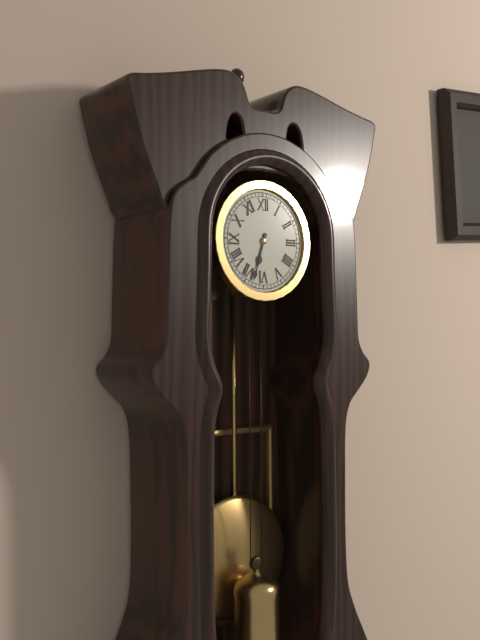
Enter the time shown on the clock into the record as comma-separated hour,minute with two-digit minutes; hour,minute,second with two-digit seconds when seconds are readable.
6,33
